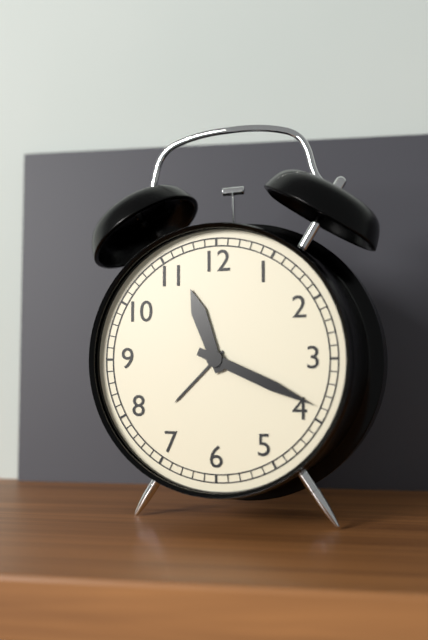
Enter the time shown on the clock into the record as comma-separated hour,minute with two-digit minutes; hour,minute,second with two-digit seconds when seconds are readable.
11,19
